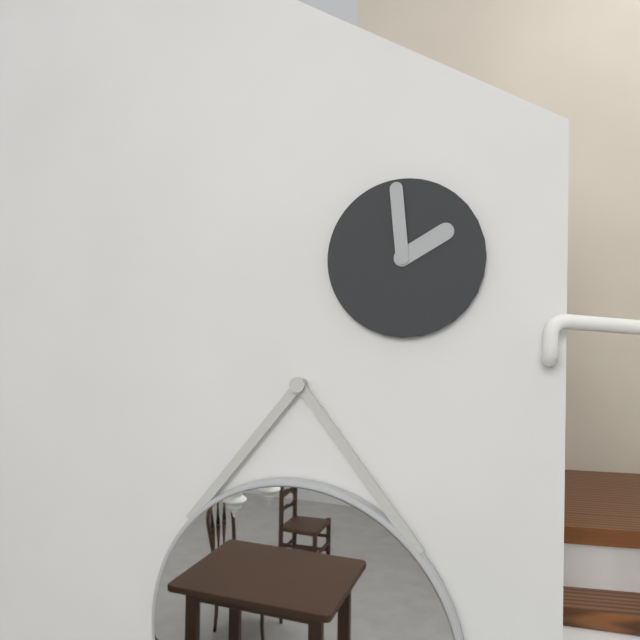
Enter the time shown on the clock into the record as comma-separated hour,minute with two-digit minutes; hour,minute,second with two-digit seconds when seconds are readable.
1,59
